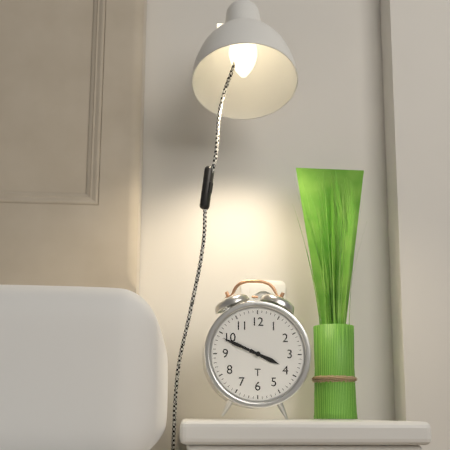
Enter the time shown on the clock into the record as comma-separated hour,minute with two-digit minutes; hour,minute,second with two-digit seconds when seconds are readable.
3,49
